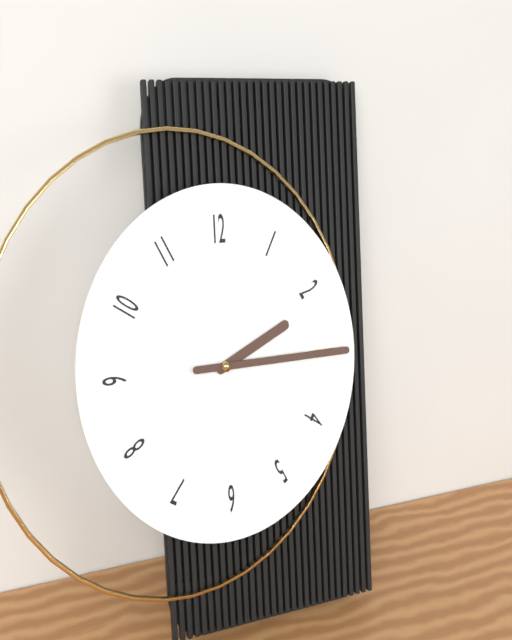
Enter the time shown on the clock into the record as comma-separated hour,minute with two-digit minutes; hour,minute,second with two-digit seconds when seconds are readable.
2,15
